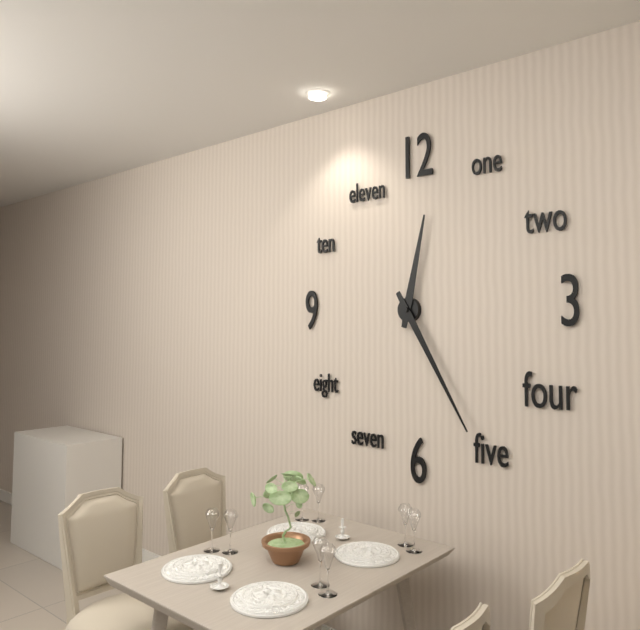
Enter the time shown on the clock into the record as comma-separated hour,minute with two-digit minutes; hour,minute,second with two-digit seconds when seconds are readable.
12,25
